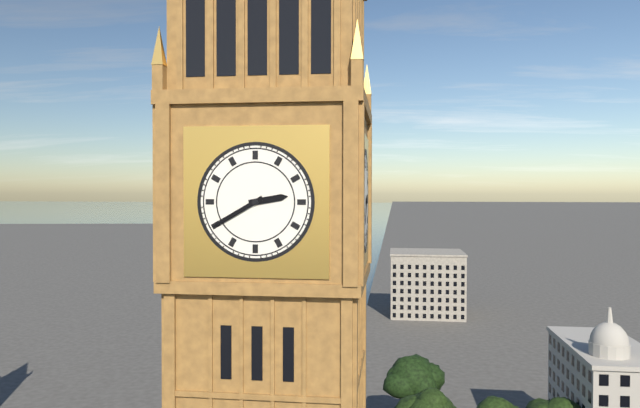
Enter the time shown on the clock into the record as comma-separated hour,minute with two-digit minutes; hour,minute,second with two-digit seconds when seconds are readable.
2,40
